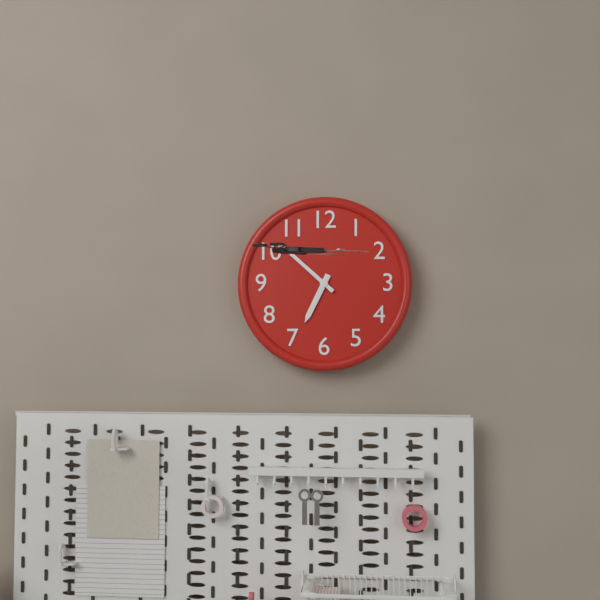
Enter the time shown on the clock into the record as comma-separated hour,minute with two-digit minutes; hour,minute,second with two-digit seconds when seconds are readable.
6,52
